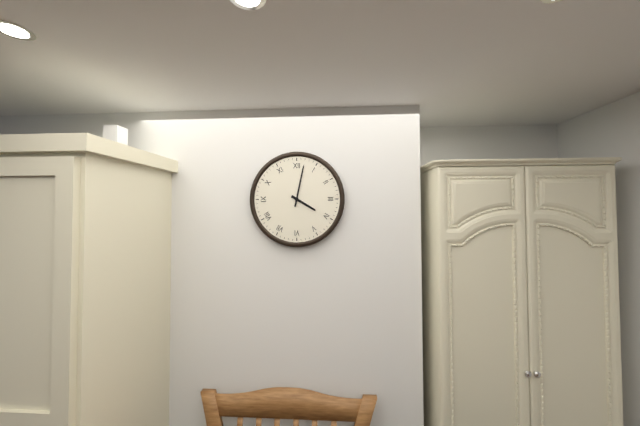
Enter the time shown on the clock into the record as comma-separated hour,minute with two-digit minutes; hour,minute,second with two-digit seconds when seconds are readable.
4,02
